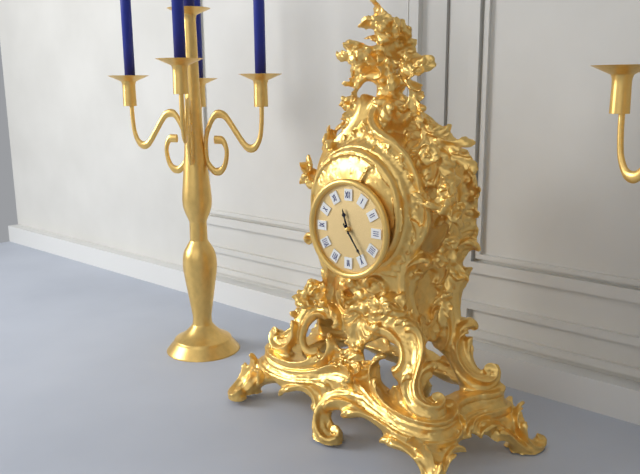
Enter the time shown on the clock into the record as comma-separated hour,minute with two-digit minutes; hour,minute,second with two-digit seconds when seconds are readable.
11,24
